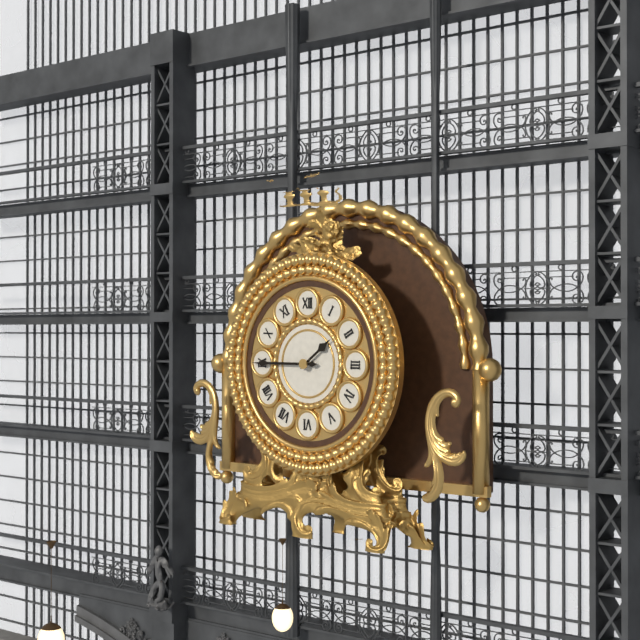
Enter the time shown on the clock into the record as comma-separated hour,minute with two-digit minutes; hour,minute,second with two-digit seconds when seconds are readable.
1,45
